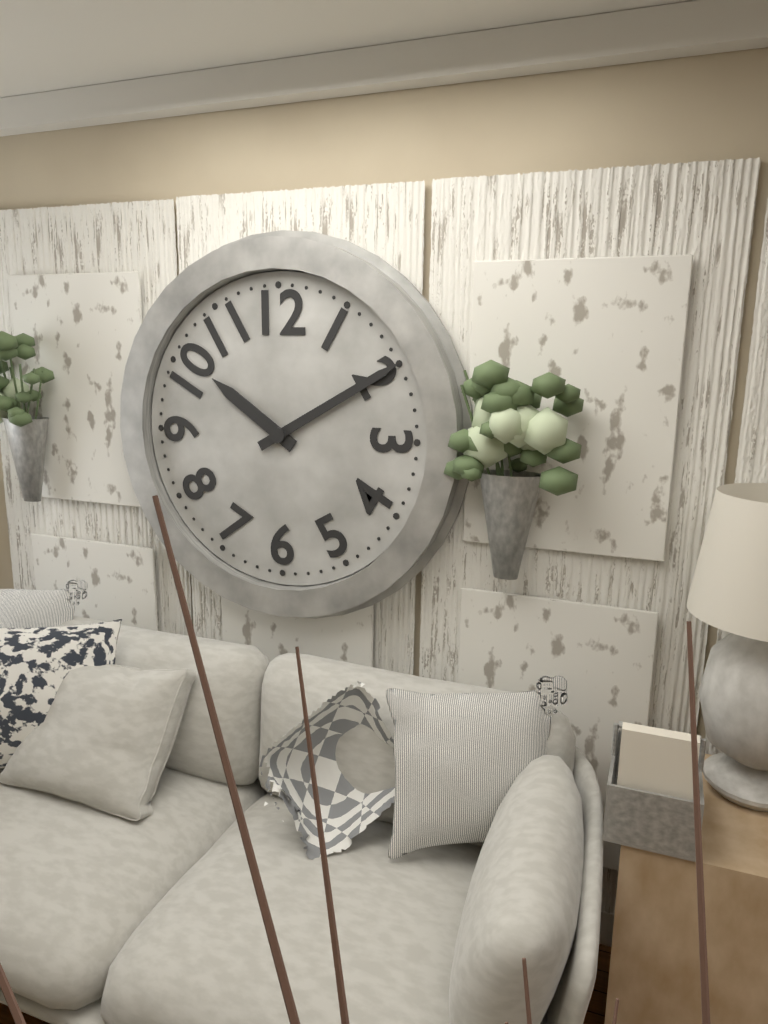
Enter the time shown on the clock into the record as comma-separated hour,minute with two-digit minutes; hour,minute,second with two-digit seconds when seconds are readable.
10,10
